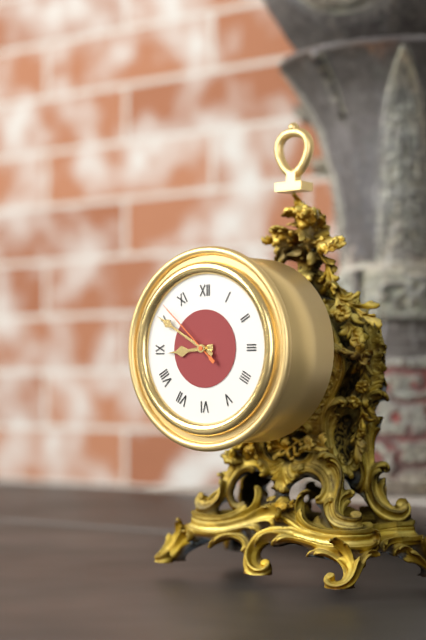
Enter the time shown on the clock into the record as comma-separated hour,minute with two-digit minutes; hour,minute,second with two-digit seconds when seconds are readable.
8,50,52
